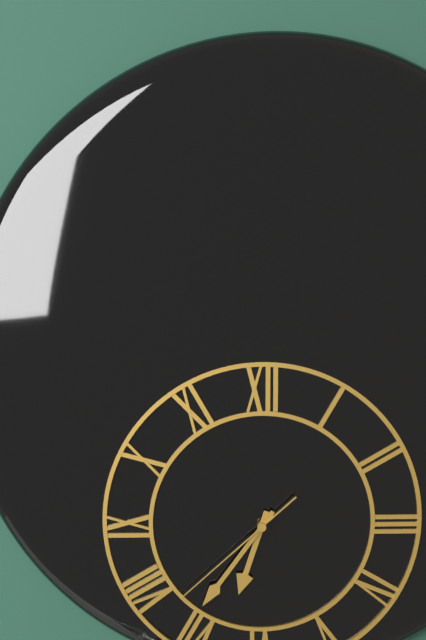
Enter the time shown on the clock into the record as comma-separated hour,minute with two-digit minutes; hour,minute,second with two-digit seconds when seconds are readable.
6,36,38
